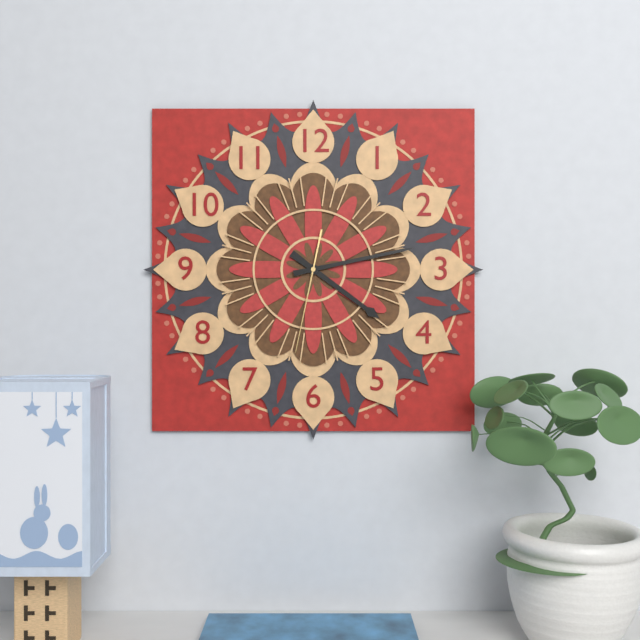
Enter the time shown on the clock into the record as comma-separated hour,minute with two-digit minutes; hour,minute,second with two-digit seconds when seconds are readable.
4,13,32
